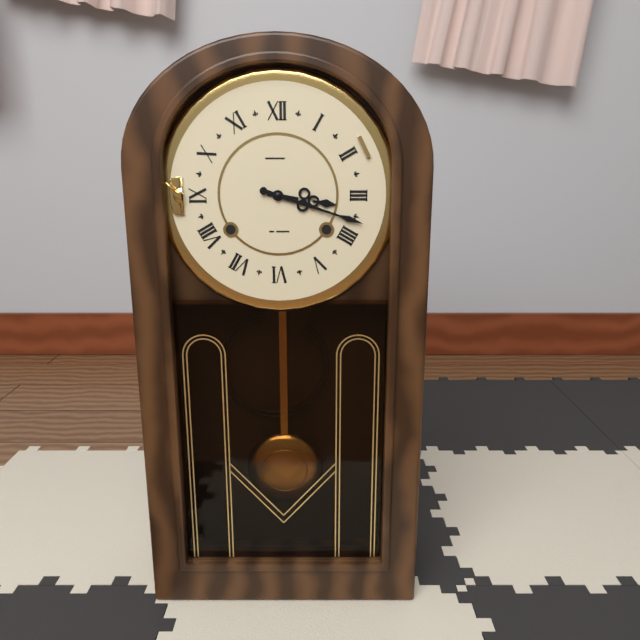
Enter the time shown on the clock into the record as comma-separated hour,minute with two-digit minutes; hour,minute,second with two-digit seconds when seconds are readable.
3,18
